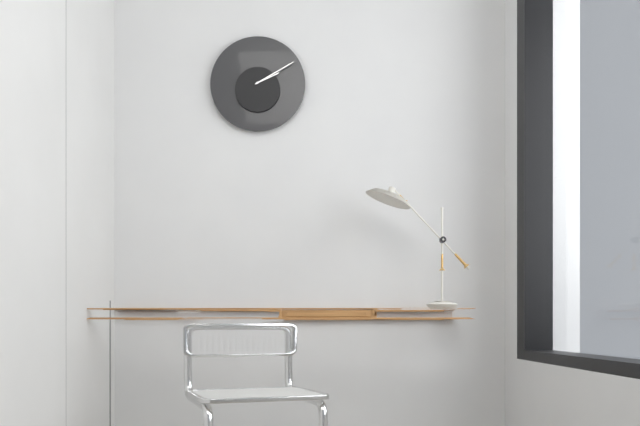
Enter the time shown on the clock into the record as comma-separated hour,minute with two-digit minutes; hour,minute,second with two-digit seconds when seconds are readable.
2,10
